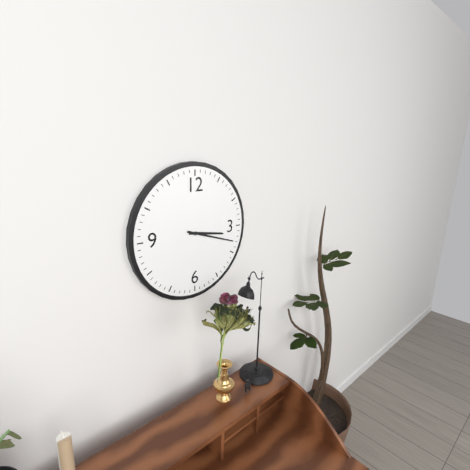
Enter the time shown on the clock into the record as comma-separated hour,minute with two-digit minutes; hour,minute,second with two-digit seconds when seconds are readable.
3,18
